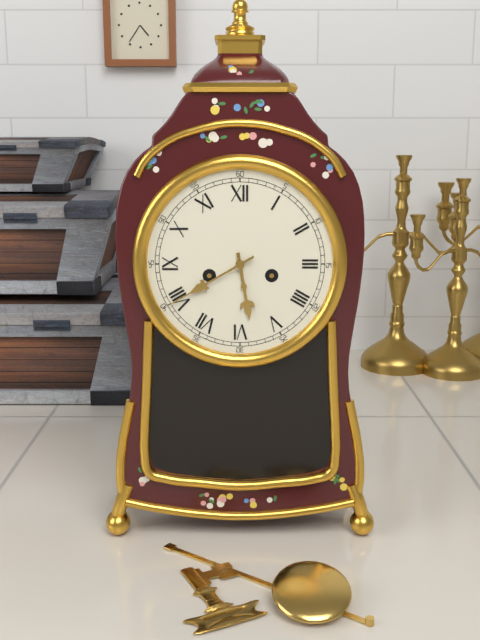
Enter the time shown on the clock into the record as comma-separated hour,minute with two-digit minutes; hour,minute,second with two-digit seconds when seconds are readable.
5,40
